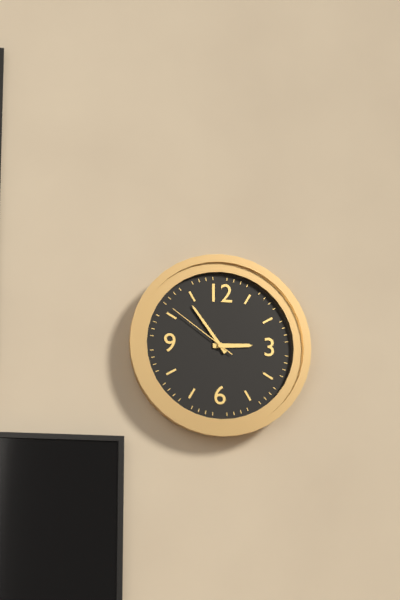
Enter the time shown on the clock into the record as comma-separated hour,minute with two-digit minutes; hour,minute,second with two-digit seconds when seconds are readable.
2,54,51
